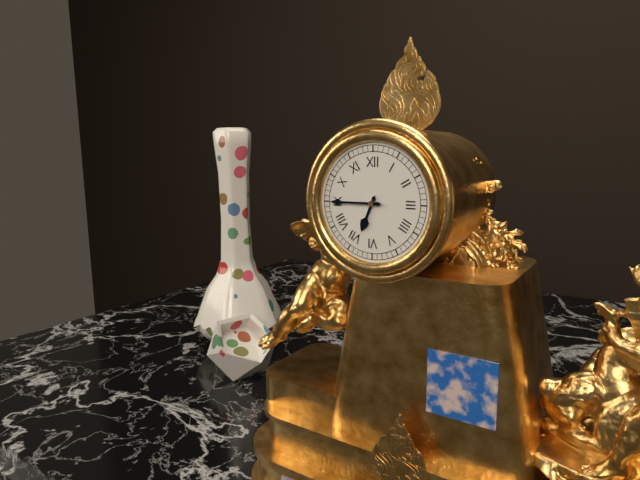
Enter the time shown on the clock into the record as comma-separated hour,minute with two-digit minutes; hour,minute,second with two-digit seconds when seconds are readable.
6,45
